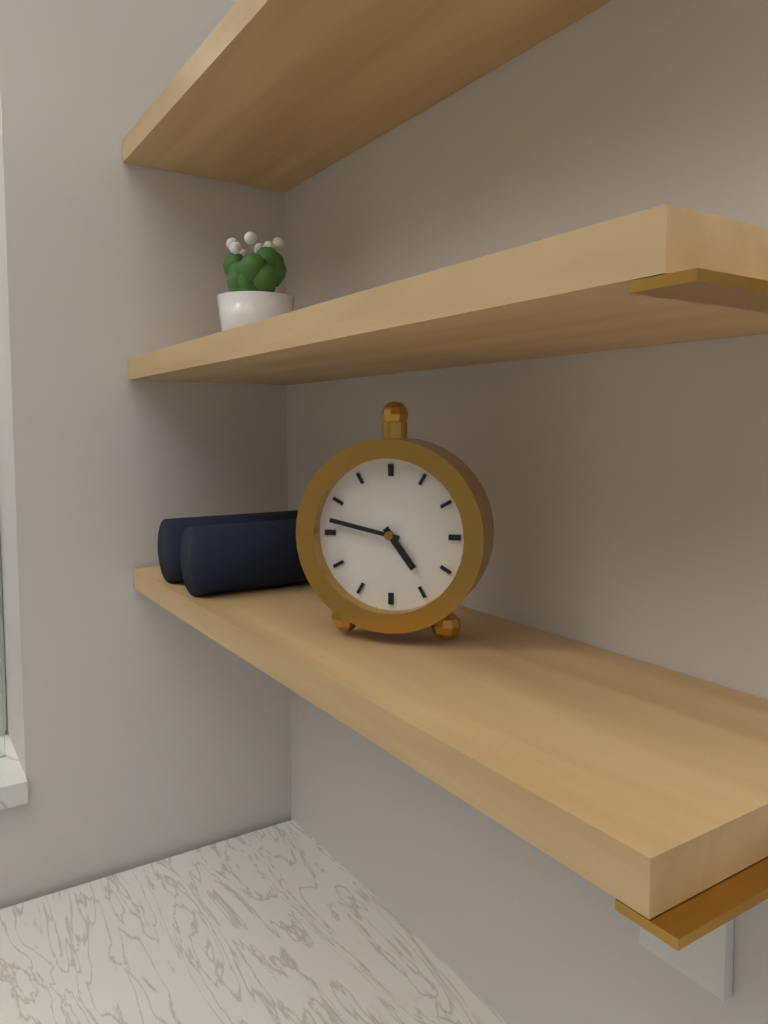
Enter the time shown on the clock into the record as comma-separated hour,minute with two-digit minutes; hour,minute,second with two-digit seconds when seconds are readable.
4,47
